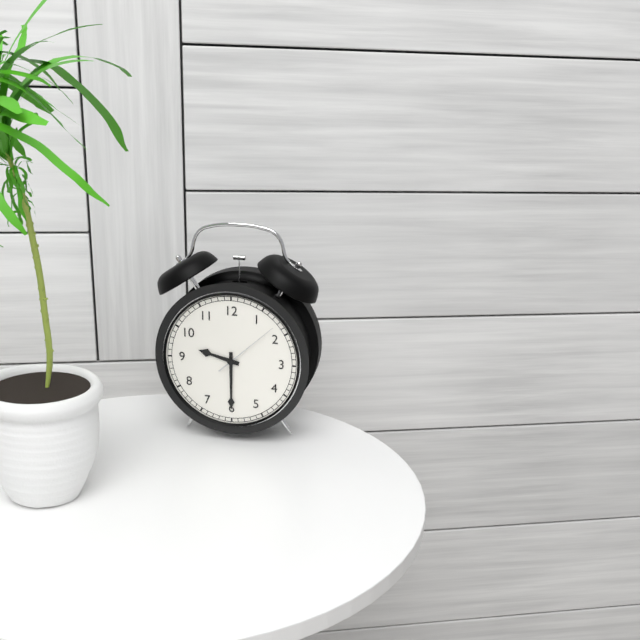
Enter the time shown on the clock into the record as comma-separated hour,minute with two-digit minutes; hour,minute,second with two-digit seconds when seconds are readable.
9,30,08
